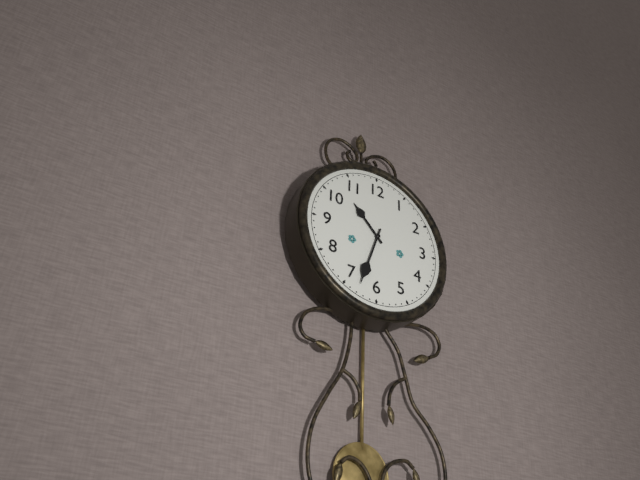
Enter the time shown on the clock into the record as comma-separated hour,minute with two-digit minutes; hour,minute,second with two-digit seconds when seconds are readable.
10,33
